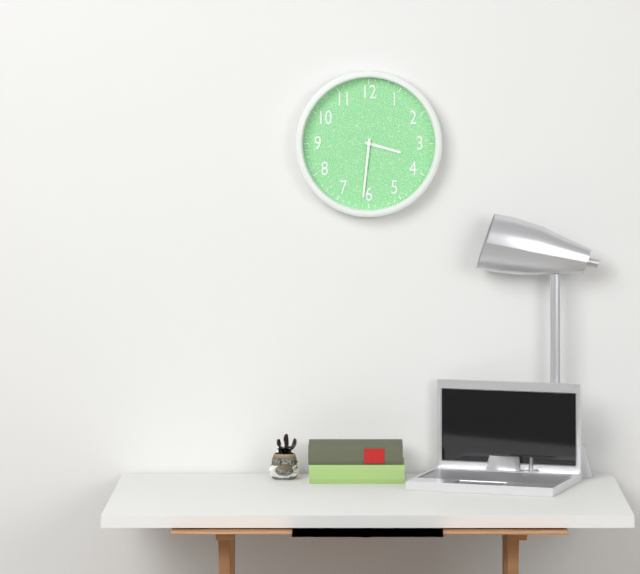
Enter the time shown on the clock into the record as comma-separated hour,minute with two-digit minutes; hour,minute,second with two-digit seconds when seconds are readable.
3,31
